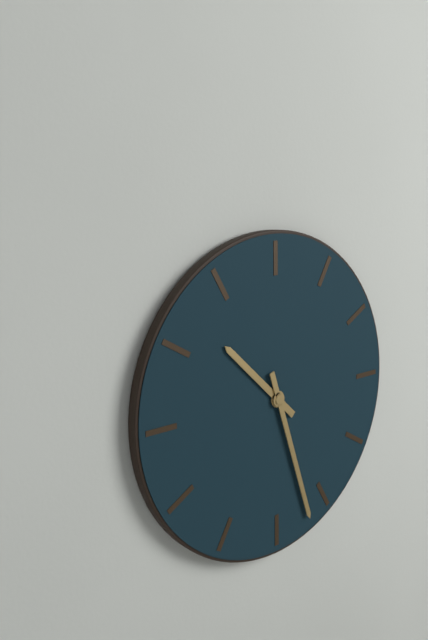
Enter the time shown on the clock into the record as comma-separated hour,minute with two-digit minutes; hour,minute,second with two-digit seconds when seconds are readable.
10,27
